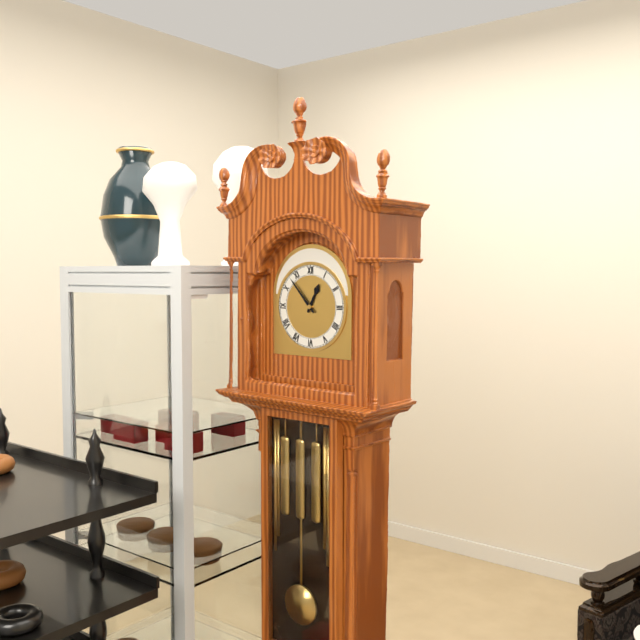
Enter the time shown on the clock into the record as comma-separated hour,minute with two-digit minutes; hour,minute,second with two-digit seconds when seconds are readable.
12,53
